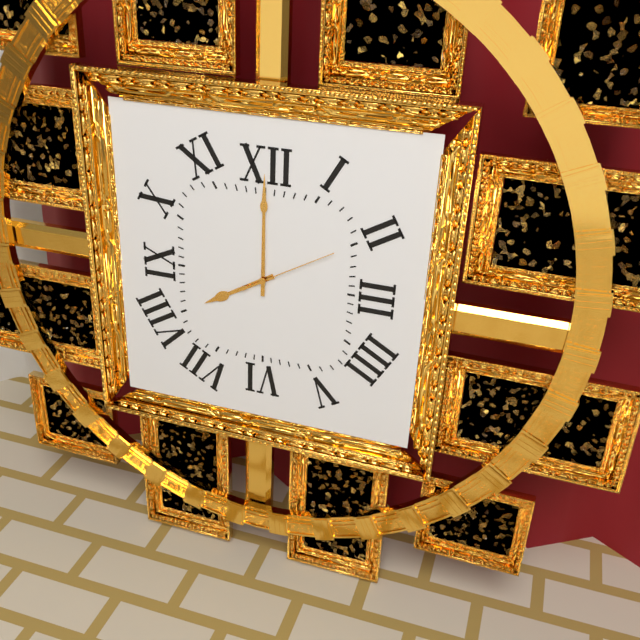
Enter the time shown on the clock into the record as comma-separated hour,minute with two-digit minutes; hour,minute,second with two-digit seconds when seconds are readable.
8,00,10
